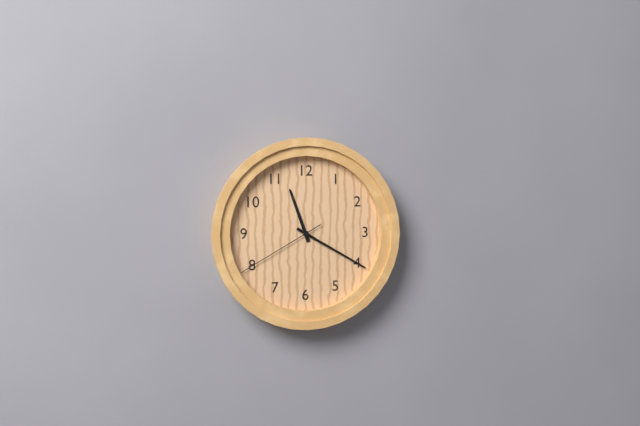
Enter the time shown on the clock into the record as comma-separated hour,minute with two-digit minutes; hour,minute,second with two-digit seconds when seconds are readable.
11,20,40
